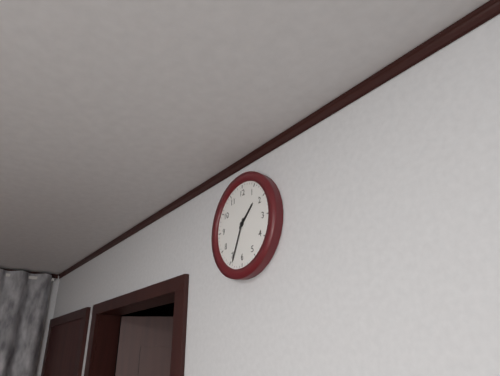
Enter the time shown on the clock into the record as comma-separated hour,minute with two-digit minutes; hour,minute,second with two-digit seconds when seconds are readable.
1,34
